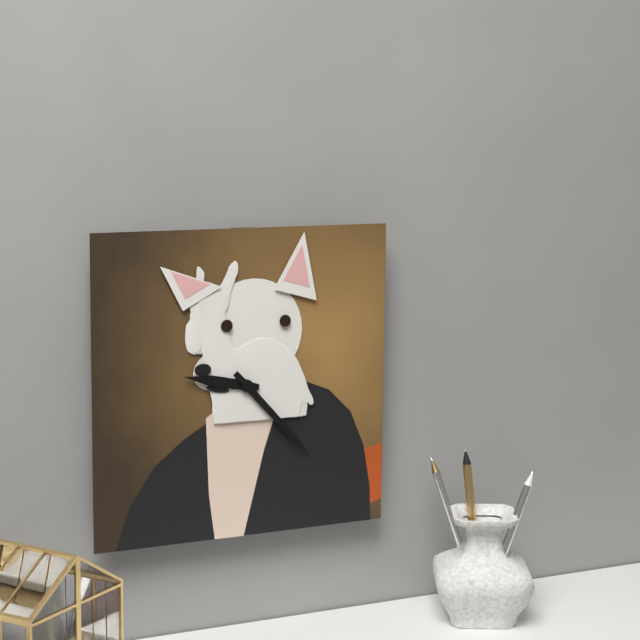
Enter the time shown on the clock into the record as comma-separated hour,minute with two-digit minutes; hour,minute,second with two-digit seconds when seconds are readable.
9,23
